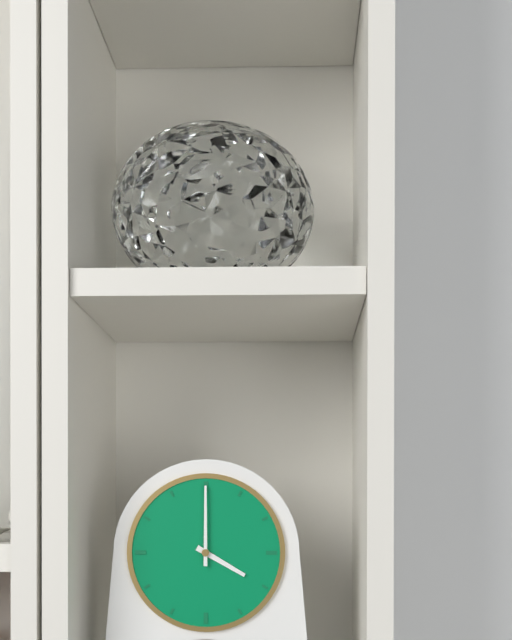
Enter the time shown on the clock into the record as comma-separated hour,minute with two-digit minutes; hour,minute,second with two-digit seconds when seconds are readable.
4,00
